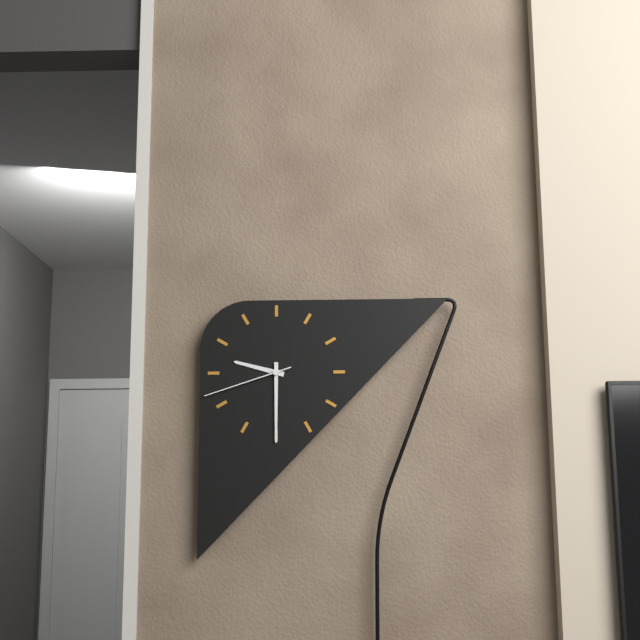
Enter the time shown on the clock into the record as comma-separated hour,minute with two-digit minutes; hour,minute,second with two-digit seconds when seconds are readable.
9,30,42
